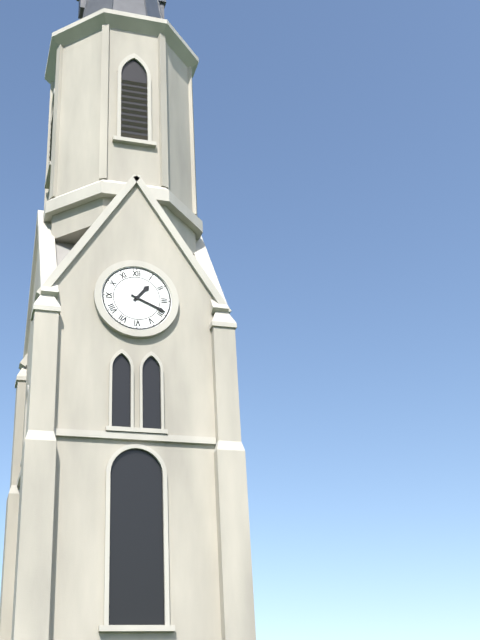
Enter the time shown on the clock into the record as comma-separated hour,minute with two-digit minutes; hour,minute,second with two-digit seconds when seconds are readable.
1,19
